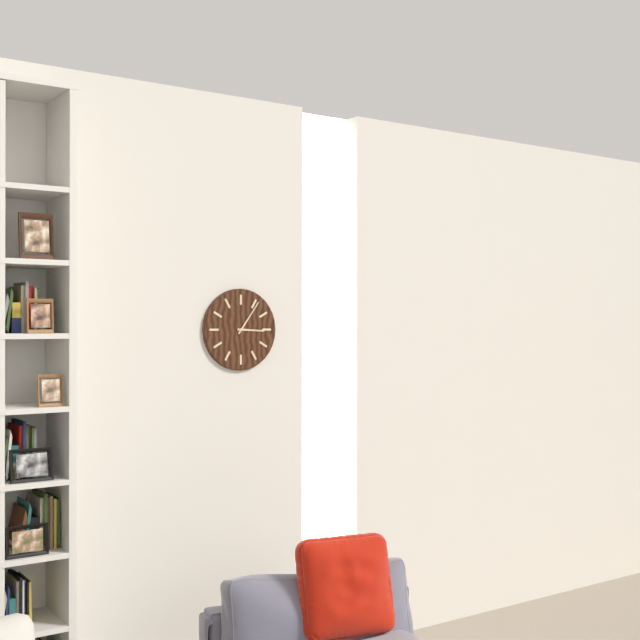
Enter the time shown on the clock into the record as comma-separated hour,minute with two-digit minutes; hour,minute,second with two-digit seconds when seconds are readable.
3,06
